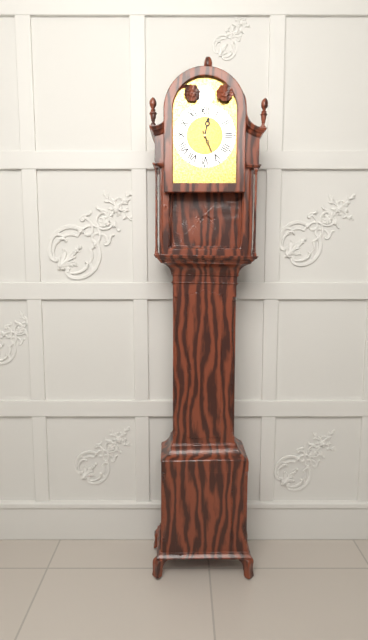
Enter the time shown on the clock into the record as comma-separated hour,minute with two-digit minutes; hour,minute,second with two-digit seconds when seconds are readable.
12,26
